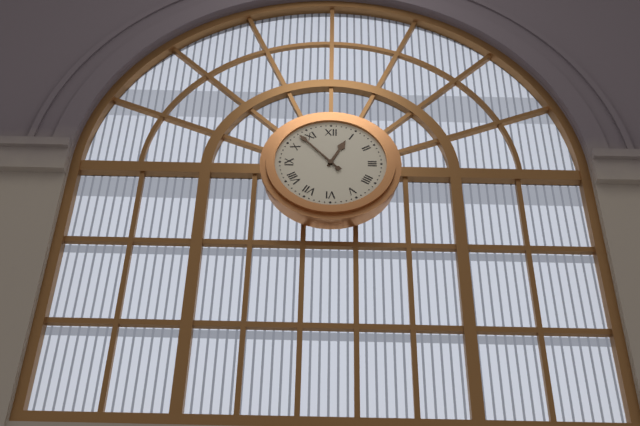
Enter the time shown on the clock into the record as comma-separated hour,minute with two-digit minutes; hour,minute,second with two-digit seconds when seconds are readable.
12,53
